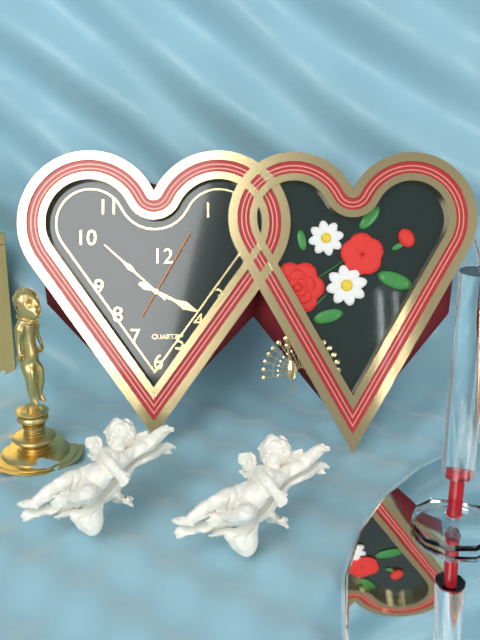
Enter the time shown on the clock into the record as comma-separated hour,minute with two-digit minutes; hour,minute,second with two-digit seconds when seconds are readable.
3,52,05
